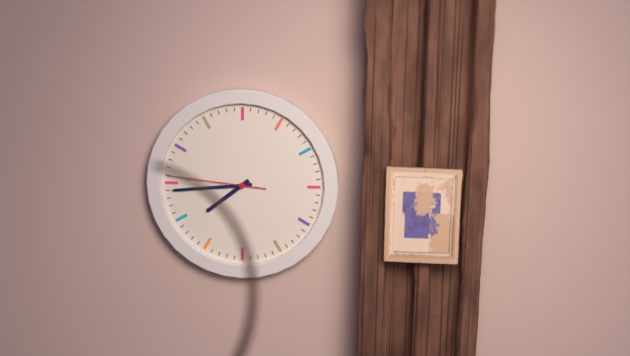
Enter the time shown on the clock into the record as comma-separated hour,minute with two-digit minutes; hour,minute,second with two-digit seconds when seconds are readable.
7,44,46
